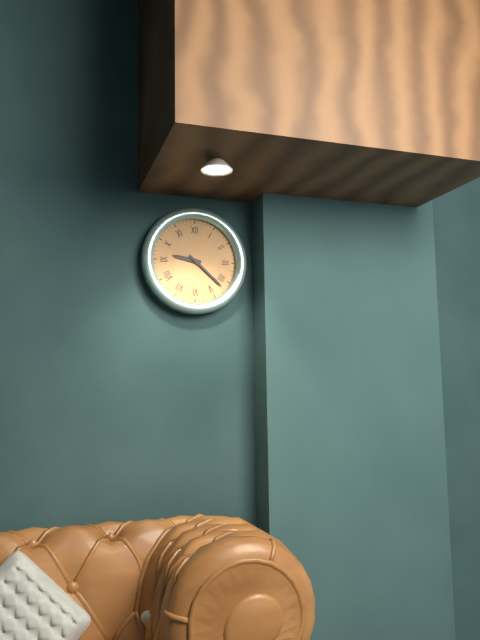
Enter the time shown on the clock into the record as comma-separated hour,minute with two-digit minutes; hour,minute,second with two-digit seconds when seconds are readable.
9,22
